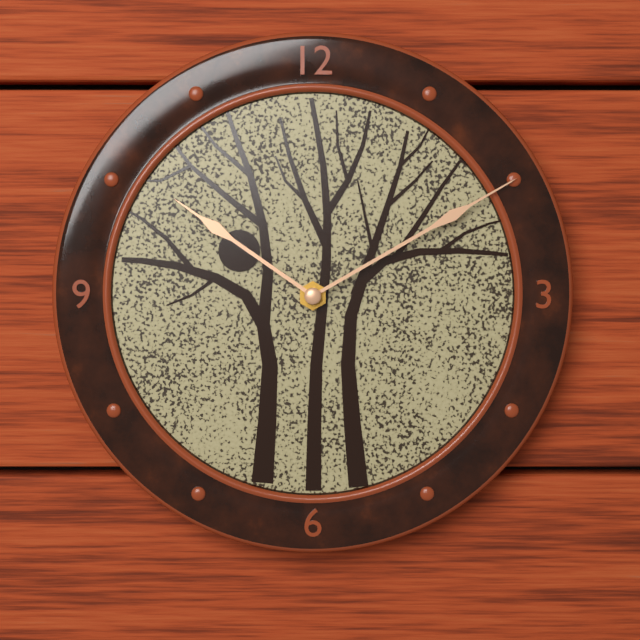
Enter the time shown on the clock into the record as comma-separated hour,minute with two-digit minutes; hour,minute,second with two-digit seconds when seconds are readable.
10,10
